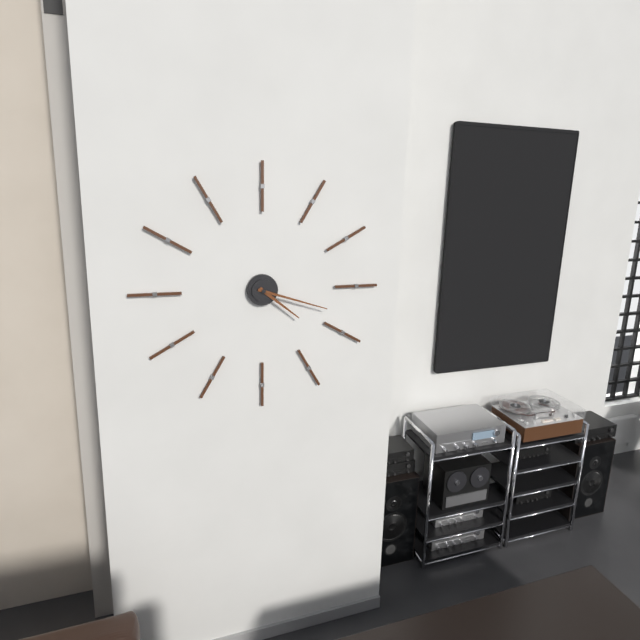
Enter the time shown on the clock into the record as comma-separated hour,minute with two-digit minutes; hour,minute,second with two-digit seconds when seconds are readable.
4,18
